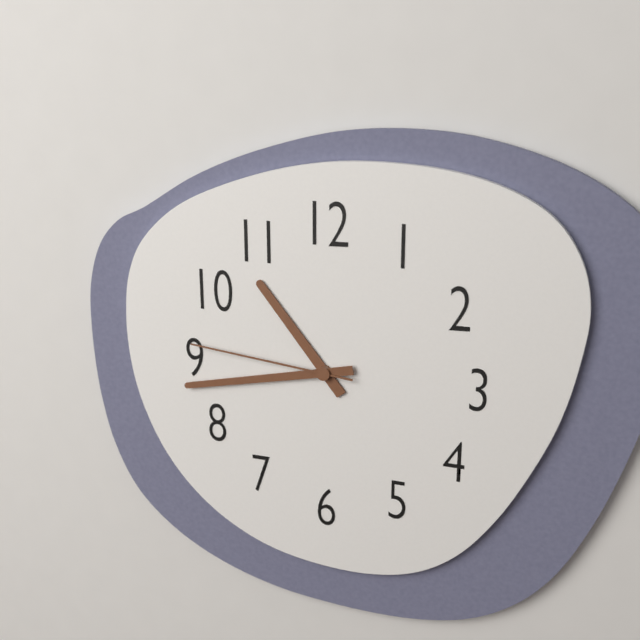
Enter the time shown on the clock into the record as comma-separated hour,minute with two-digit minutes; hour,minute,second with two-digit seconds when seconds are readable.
10,43,46
